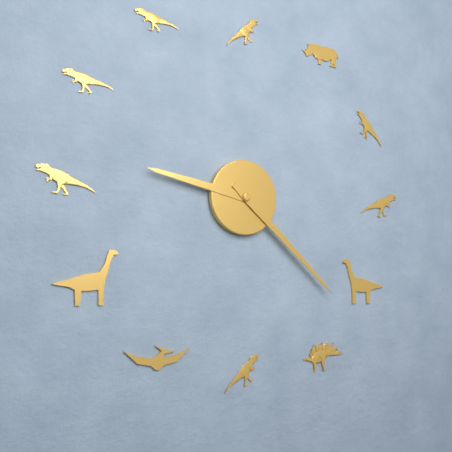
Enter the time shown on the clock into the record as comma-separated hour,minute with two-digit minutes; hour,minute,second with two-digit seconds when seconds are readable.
9,22
